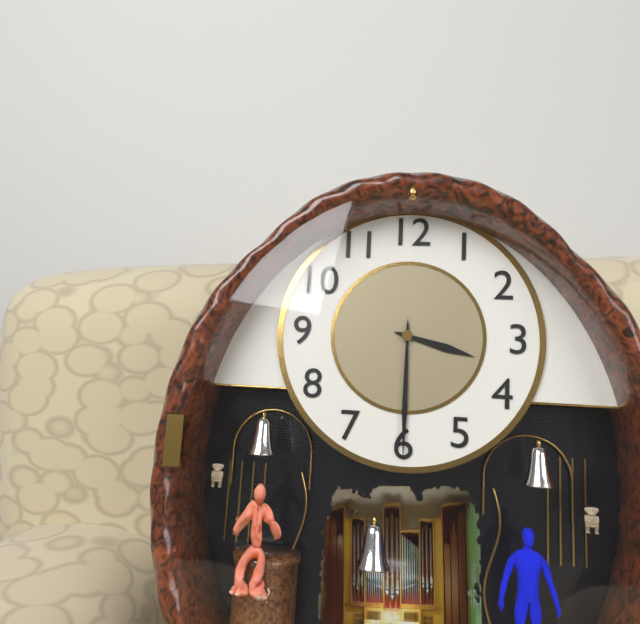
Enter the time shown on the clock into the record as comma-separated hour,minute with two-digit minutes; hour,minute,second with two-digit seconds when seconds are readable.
3,30
